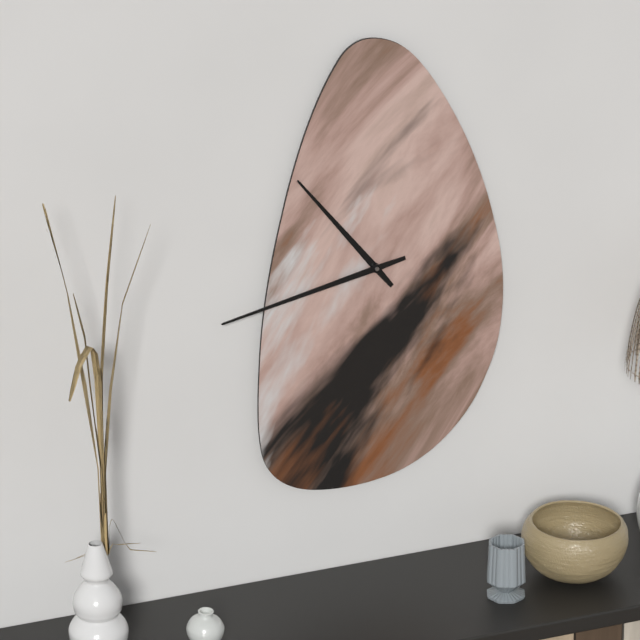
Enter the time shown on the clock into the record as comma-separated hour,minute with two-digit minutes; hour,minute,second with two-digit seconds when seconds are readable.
10,43
